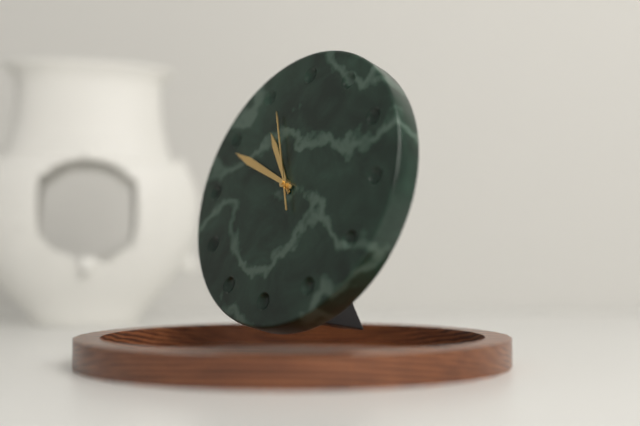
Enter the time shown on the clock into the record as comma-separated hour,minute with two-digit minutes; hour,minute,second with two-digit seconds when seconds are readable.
10,49,56
